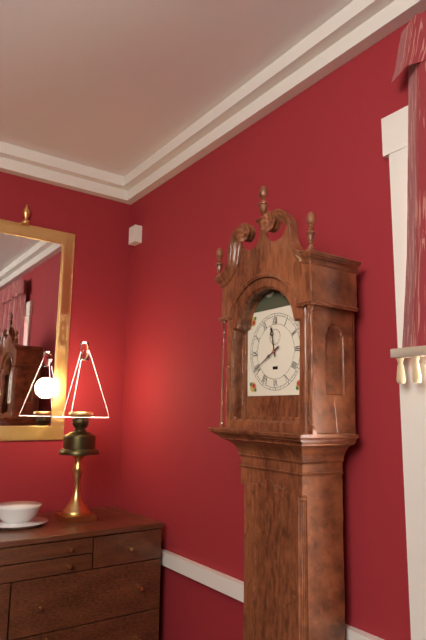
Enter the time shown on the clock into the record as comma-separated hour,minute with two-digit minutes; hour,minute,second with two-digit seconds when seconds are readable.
11,40
